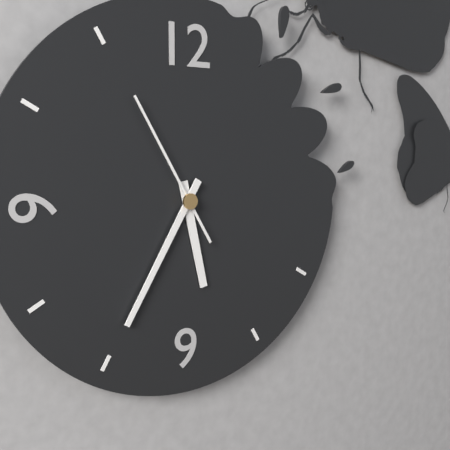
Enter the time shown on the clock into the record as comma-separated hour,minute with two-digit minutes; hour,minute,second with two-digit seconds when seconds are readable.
5,35,55
